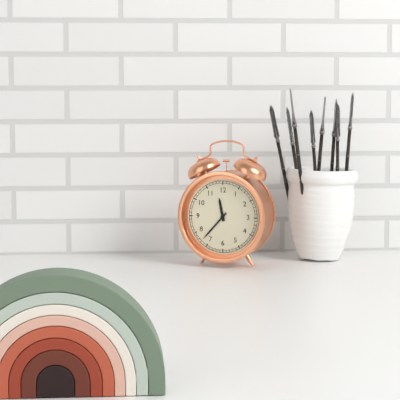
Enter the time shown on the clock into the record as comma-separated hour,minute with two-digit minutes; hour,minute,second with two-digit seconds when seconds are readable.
11,37
